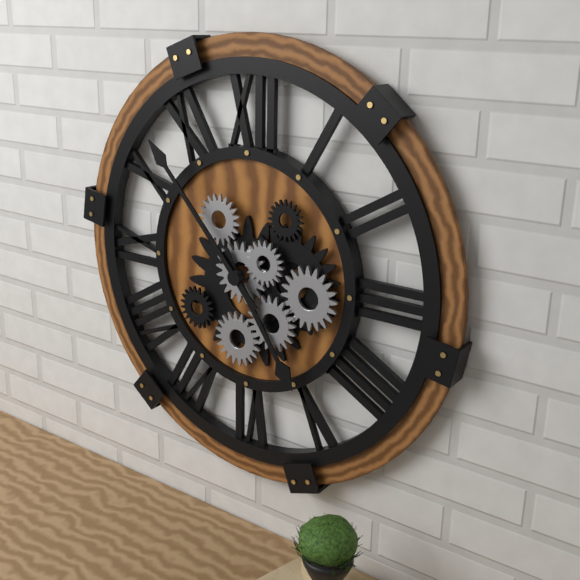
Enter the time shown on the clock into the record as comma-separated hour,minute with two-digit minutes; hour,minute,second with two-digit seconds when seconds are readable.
4,53
